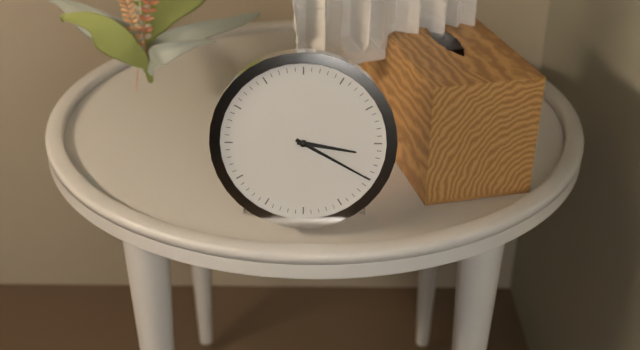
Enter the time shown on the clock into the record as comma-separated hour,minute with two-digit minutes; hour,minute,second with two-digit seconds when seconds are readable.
3,20
